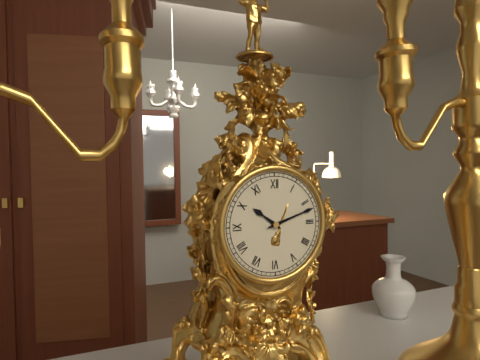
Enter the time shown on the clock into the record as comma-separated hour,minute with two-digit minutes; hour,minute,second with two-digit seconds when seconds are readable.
10,12
